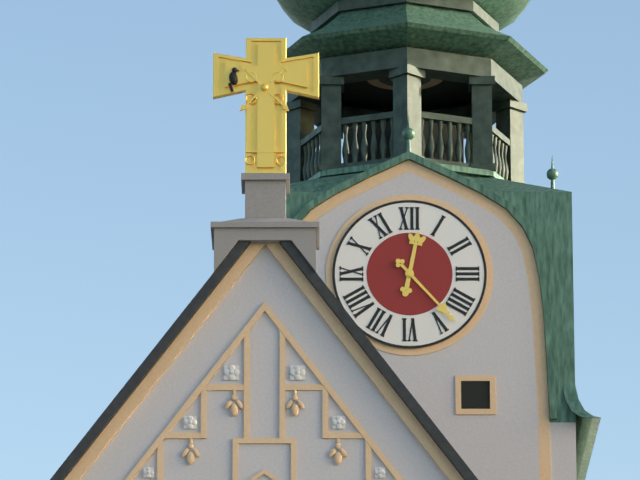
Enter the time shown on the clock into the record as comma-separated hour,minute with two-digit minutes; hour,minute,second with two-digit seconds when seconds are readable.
12,23
